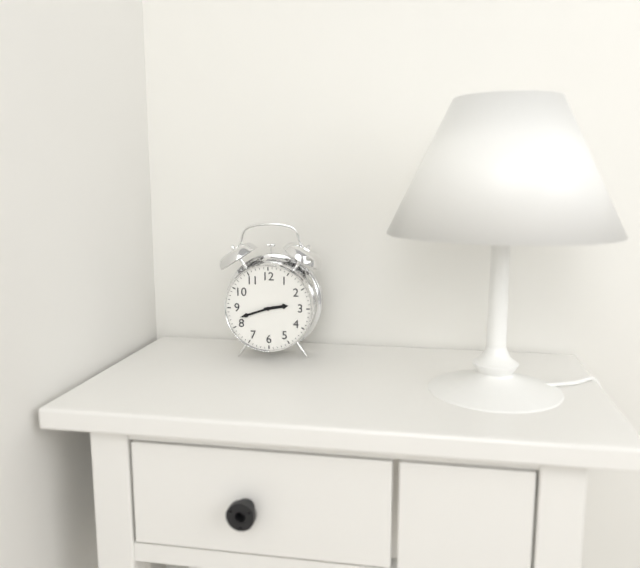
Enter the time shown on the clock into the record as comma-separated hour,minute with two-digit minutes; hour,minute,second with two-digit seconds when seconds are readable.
2,42
